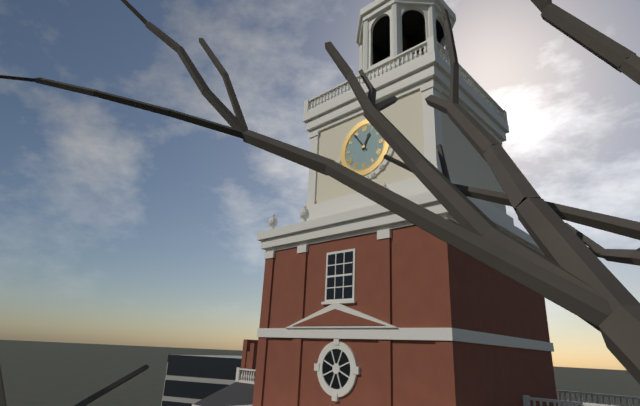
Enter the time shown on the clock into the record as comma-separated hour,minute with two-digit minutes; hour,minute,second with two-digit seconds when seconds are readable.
12,54
